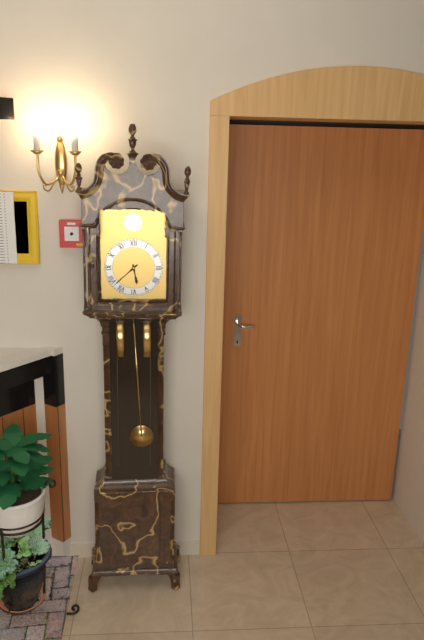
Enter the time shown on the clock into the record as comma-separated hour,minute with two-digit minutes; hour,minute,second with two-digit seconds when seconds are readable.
5,38
